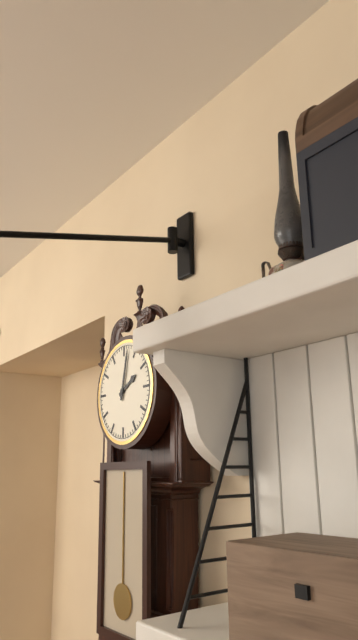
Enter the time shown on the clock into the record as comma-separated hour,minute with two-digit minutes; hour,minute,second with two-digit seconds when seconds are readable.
2,02
